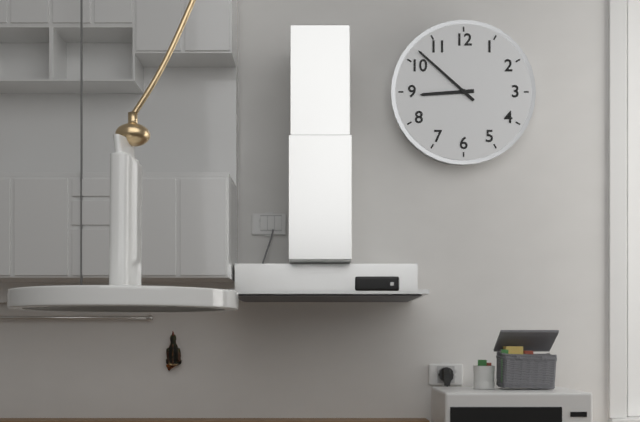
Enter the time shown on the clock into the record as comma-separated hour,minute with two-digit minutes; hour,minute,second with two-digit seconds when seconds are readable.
8,52
